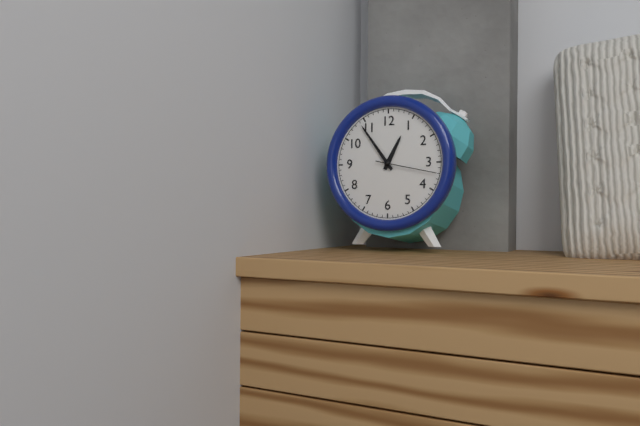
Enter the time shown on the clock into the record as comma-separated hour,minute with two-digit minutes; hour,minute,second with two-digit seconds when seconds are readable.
12,54,17
